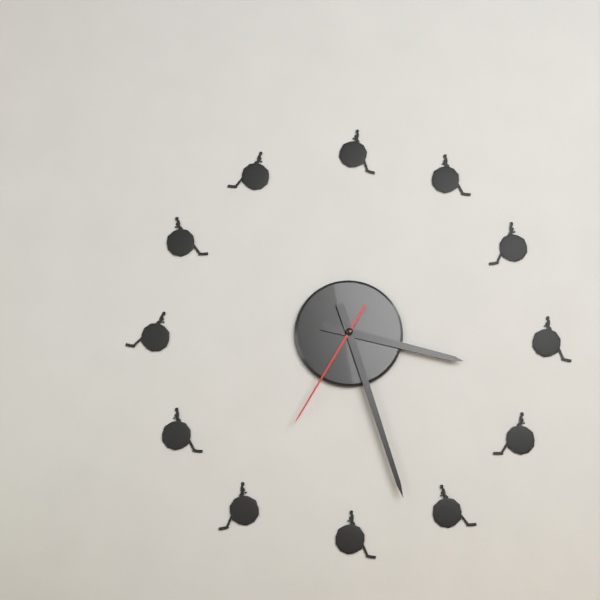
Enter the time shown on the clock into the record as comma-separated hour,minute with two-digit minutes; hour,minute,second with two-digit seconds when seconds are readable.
3,27,35
